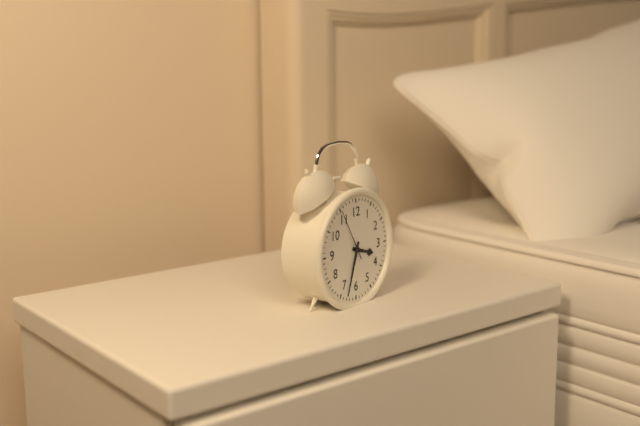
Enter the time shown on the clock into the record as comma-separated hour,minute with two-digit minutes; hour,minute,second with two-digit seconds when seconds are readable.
3,33,55
